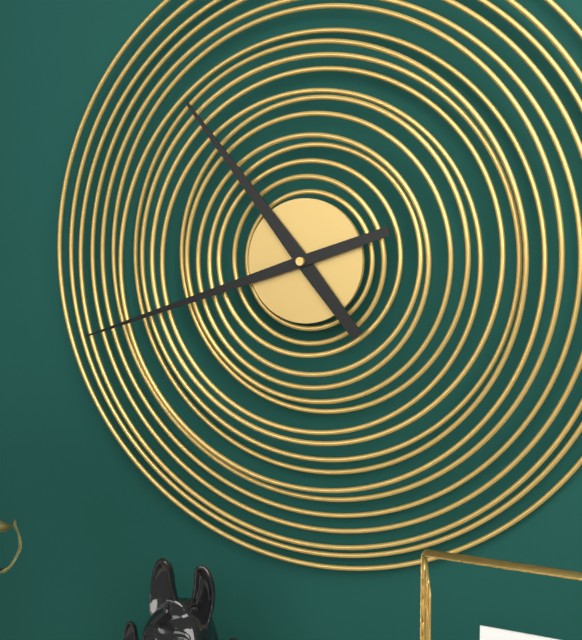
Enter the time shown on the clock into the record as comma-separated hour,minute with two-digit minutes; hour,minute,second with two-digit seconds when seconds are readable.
10,42
